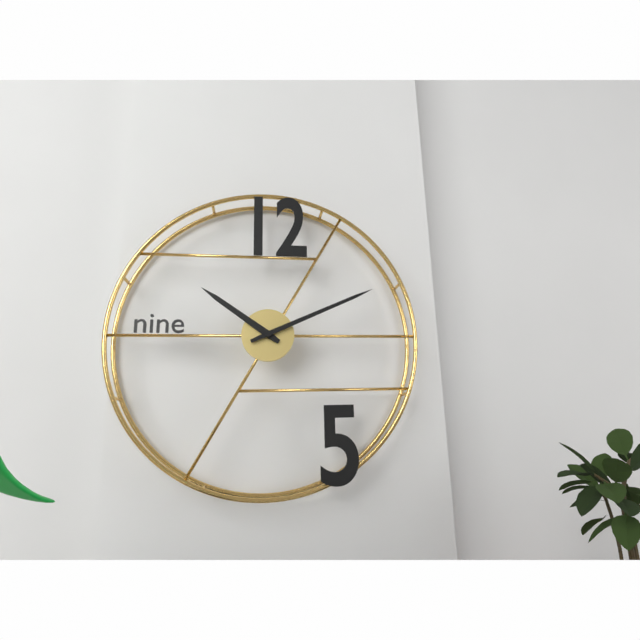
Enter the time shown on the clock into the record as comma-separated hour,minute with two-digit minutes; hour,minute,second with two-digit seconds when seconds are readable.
10,11
